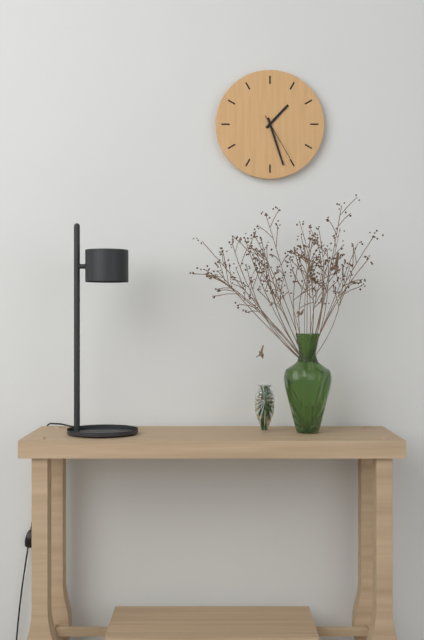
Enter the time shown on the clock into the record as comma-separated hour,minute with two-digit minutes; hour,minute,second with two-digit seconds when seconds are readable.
1,27
